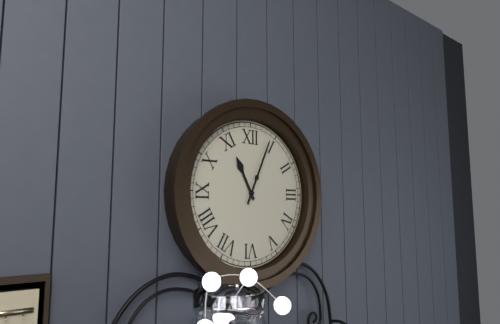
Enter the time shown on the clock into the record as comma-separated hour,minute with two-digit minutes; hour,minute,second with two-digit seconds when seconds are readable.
11,04
